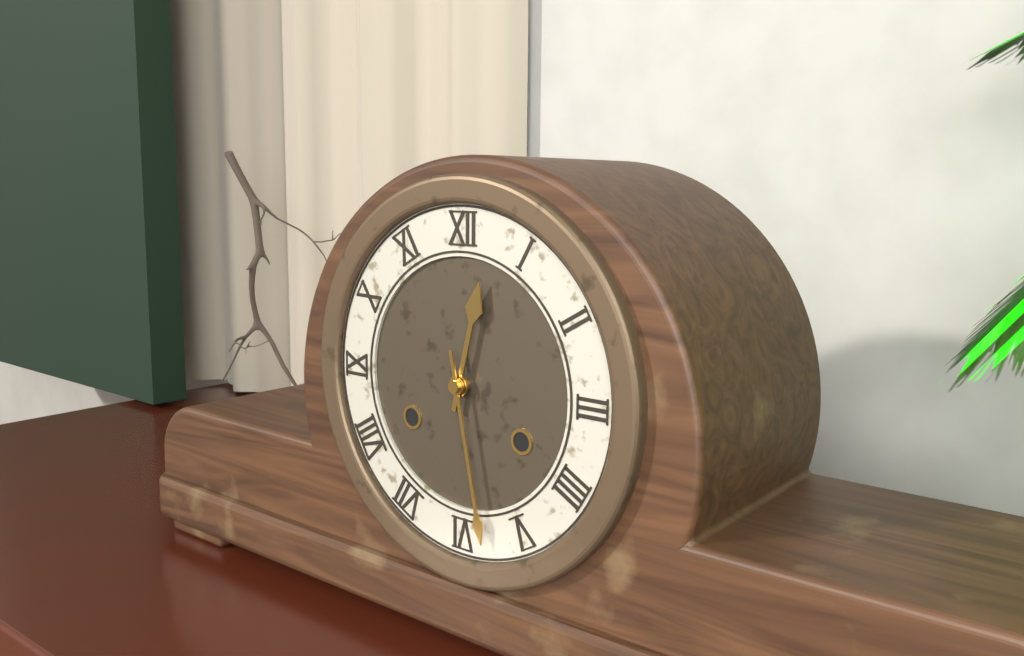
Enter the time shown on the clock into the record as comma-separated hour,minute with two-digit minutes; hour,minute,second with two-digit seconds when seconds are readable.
12,28
